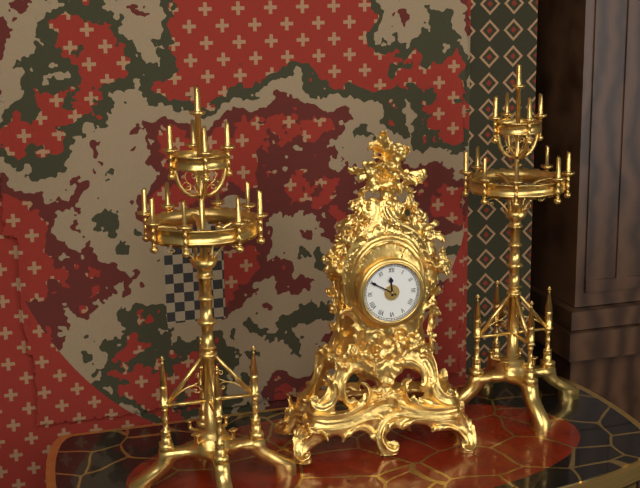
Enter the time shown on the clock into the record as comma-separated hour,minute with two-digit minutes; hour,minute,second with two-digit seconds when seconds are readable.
11,50
